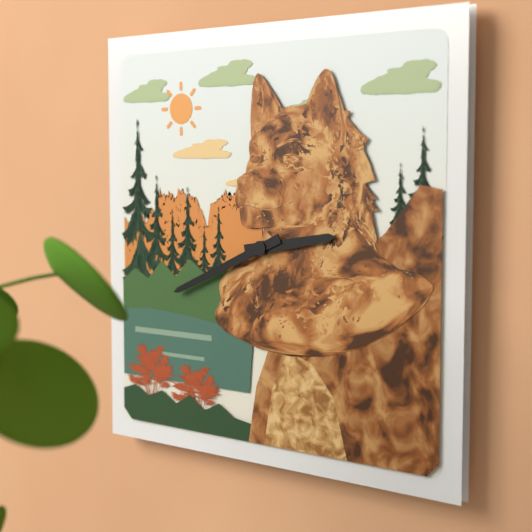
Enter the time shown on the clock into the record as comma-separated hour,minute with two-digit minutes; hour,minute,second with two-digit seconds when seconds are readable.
2,41
